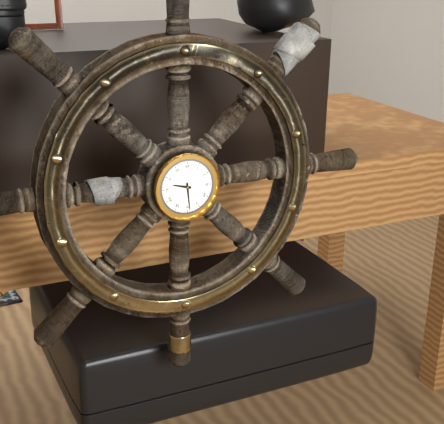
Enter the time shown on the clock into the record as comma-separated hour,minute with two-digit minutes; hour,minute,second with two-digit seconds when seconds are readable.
9,29
